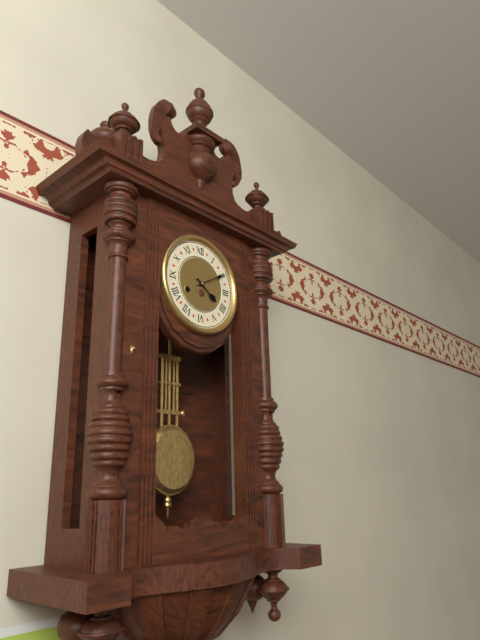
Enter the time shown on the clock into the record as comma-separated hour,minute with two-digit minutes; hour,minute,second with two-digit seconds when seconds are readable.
4,10
